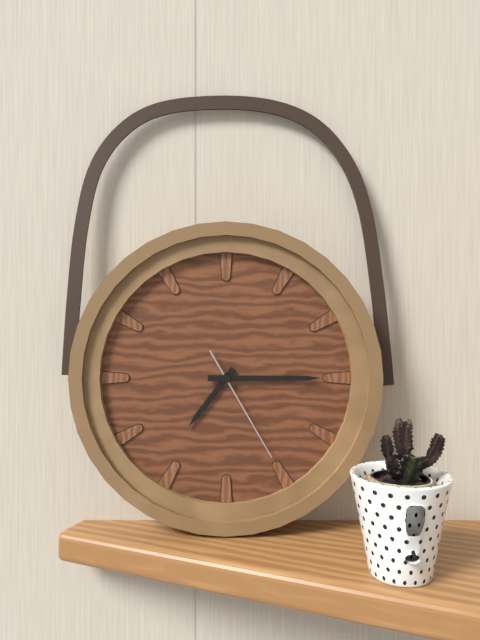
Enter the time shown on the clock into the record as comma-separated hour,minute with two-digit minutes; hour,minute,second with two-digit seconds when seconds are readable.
7,15,25
